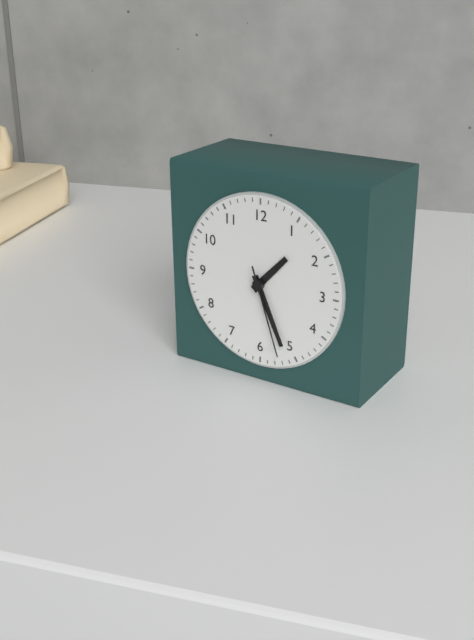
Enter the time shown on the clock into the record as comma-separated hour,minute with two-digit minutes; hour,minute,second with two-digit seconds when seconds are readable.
1,26,27
